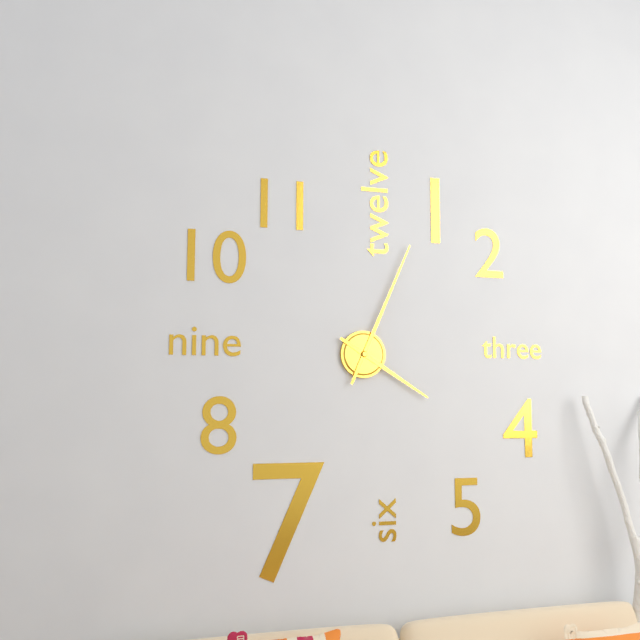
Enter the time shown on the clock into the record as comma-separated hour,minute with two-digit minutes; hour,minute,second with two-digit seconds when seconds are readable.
4,04
